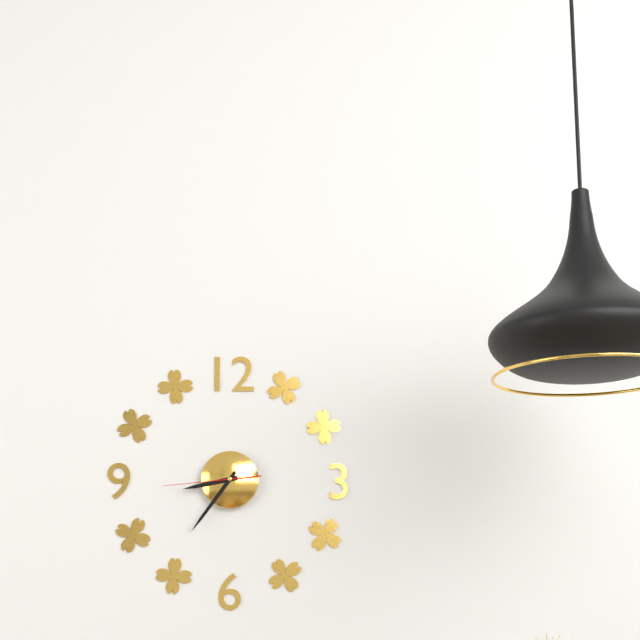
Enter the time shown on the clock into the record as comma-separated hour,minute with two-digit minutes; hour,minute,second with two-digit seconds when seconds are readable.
8,36,44
